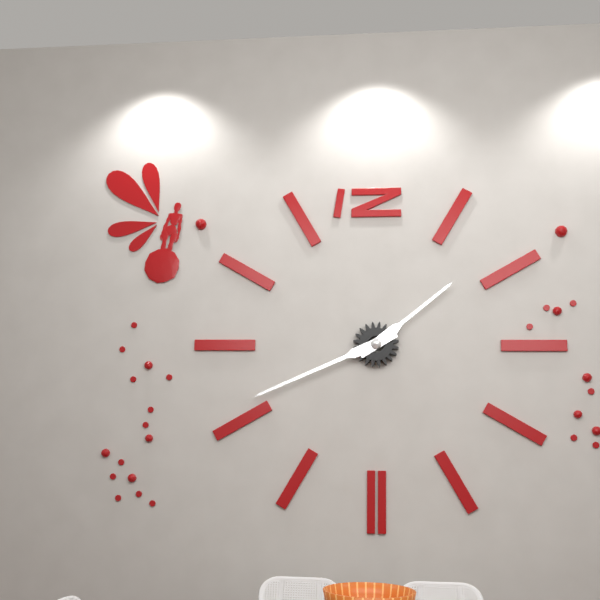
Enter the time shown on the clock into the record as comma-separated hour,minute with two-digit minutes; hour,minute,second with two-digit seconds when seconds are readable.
1,41
